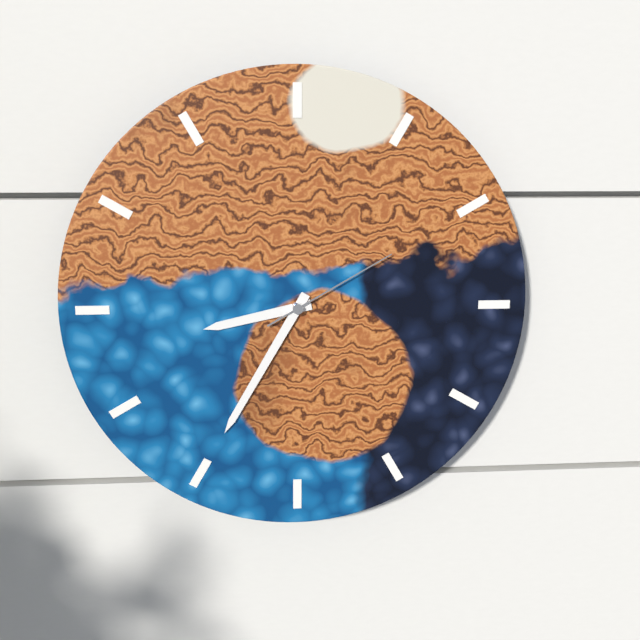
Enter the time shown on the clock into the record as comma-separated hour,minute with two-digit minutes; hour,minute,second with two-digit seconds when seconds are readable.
8,35,10
